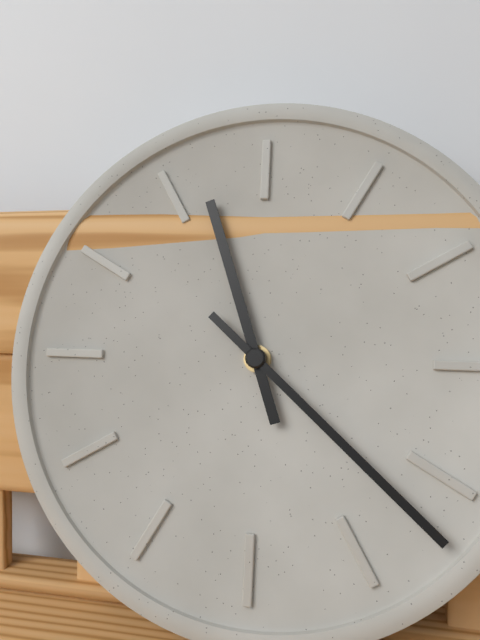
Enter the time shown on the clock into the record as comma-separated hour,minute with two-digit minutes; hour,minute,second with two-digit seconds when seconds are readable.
11,22
